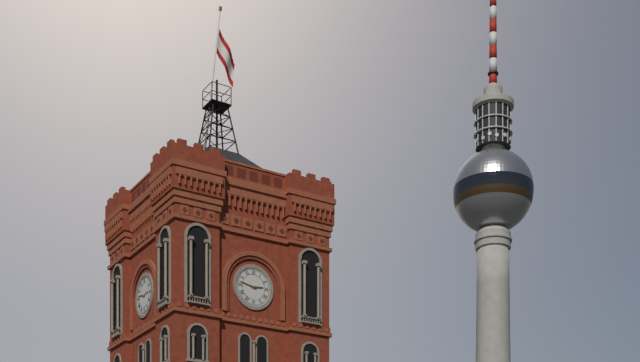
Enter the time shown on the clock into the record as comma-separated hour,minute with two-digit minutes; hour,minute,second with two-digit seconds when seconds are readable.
2,47
